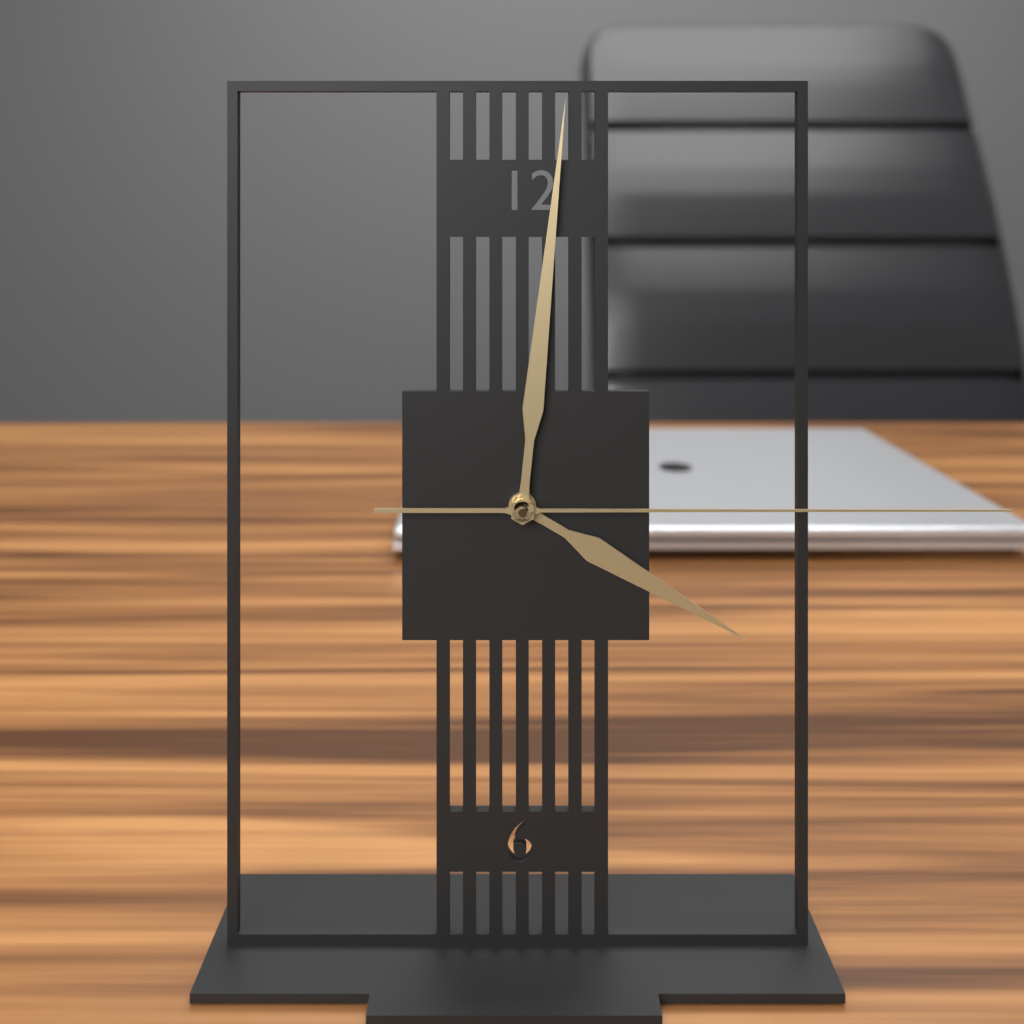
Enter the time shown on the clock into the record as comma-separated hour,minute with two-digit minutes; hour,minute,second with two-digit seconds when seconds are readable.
4,01,15
